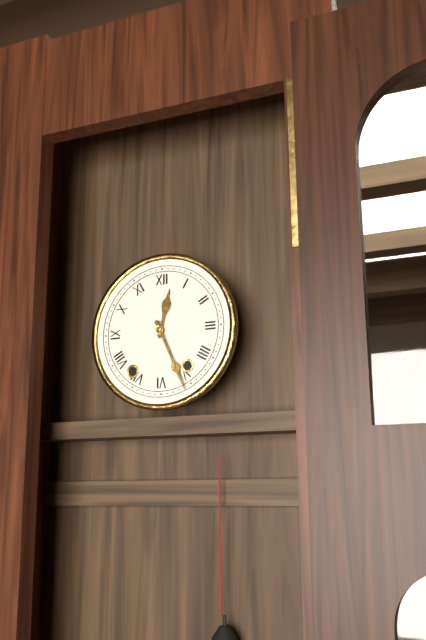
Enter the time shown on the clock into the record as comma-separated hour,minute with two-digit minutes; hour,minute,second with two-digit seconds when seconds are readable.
12,26
